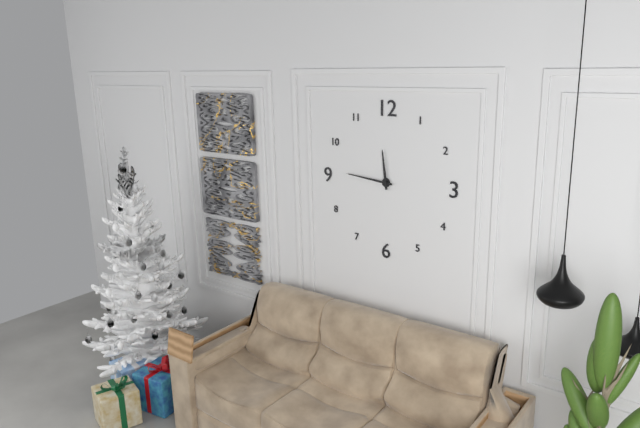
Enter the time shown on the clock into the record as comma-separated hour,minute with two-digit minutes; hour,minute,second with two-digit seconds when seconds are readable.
11,46
